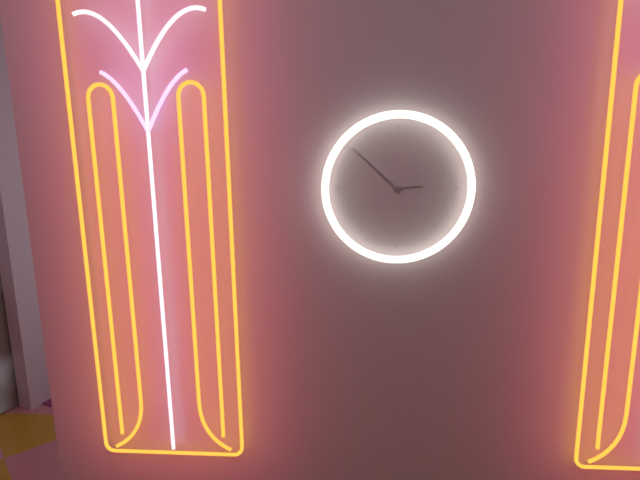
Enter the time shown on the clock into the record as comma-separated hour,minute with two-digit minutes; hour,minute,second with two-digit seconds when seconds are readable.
2,52
